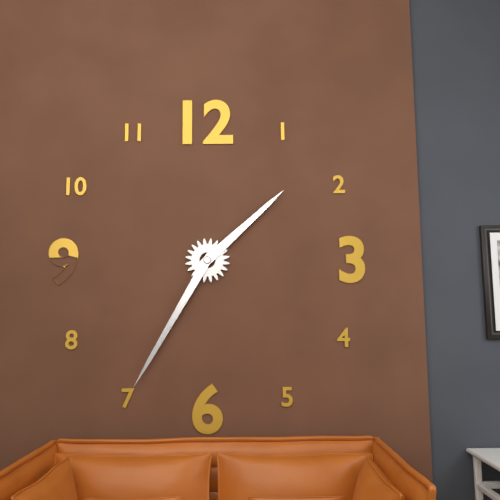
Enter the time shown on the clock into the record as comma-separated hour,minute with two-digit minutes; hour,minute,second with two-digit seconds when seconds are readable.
1,35
